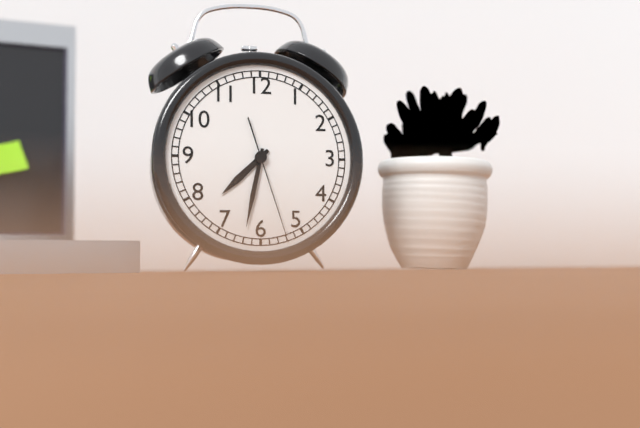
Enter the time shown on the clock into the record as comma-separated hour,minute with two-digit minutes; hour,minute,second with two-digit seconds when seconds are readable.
7,32,27
